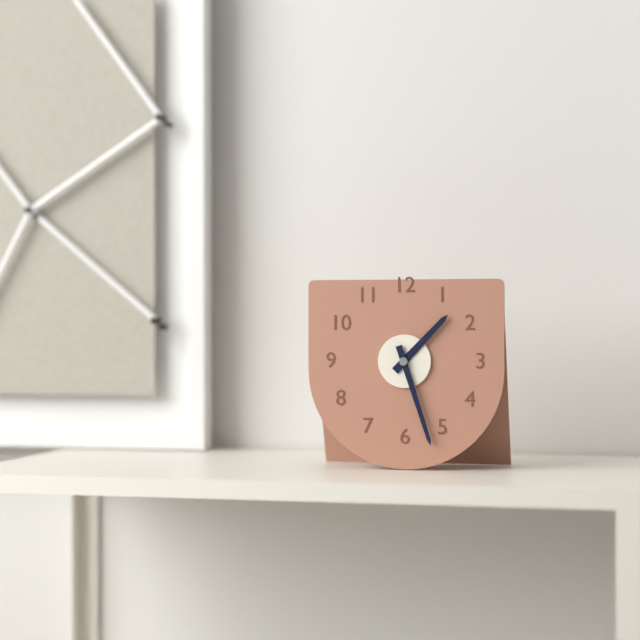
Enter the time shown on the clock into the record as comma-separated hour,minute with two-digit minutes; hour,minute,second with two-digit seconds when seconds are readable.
1,27
